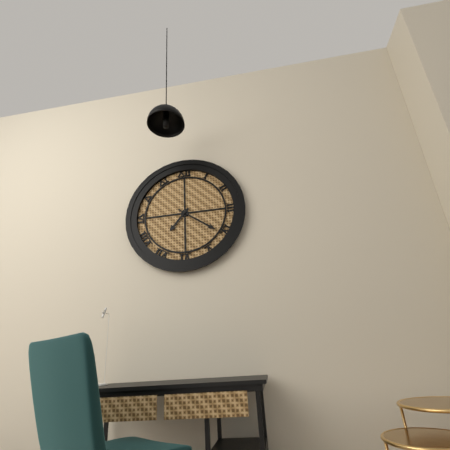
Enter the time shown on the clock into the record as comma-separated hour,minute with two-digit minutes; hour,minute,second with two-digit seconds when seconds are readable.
7,21
